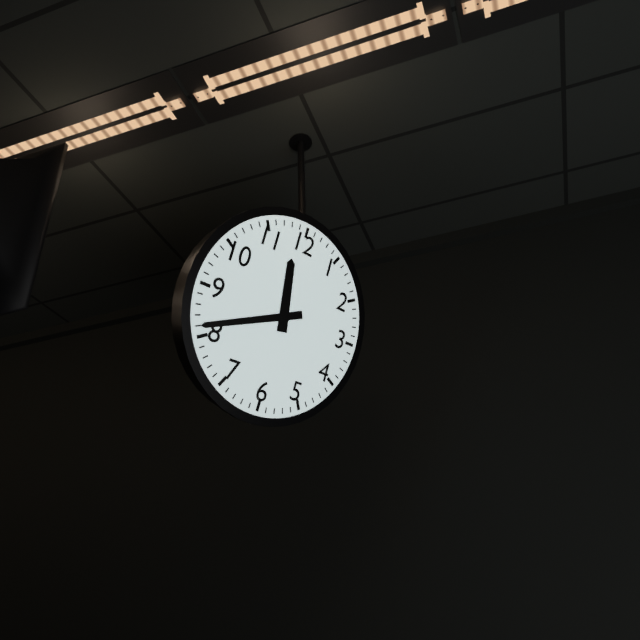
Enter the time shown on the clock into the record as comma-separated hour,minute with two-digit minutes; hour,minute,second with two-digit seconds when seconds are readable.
11,41
